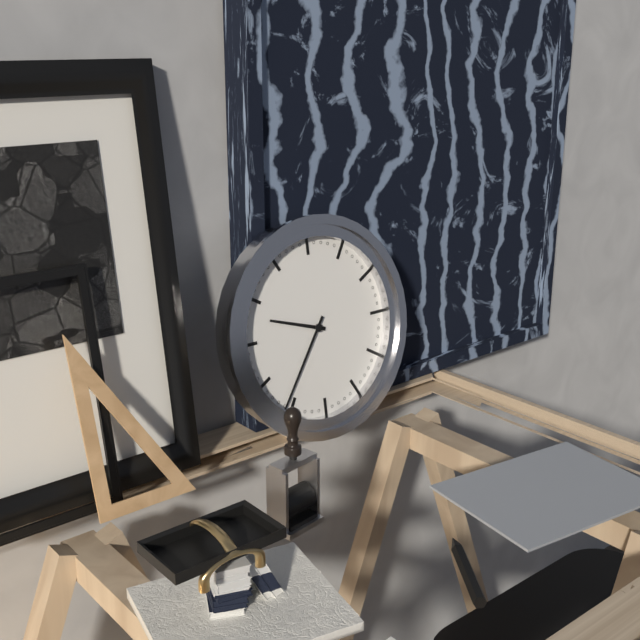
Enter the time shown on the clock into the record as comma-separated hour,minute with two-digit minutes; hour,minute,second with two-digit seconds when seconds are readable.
9,36
